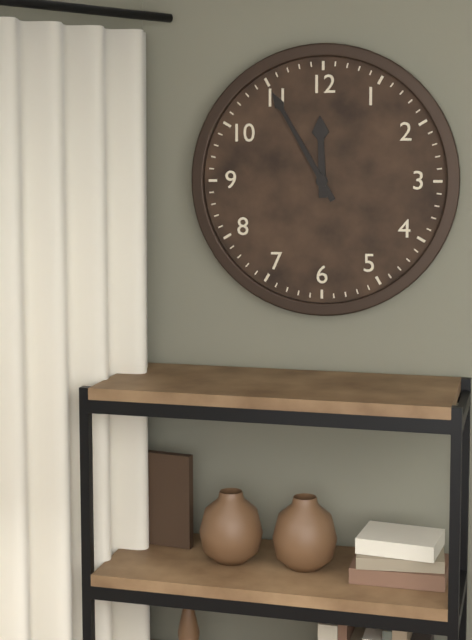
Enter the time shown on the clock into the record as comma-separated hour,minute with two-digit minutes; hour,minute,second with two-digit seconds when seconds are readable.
11,55
